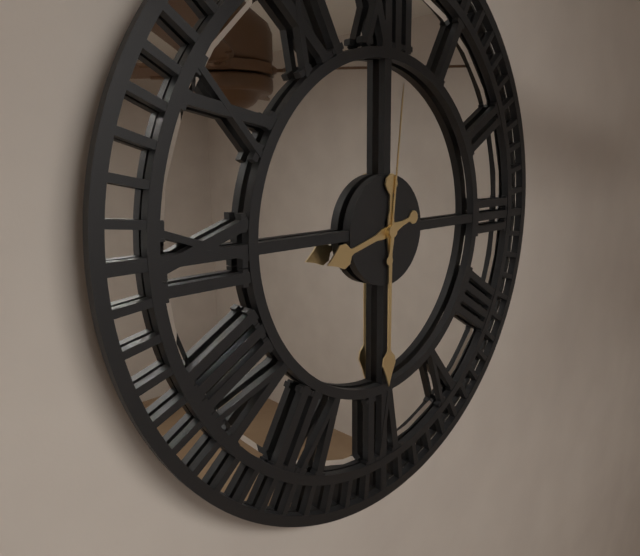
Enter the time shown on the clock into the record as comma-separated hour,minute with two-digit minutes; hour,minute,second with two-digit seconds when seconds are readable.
8,30,01
